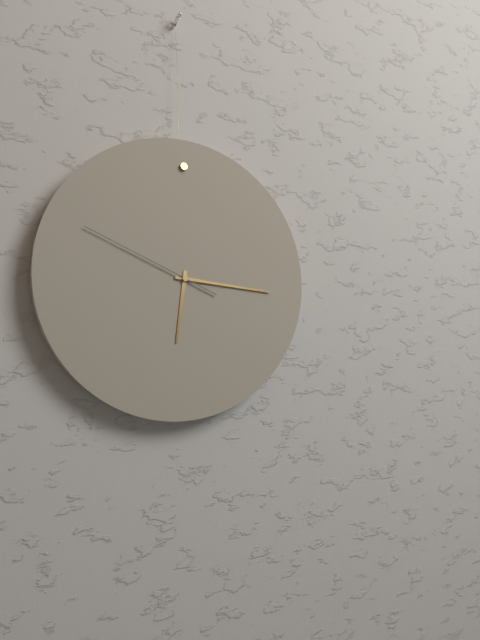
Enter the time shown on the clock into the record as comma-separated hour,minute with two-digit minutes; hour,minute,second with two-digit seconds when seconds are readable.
6,16,49
